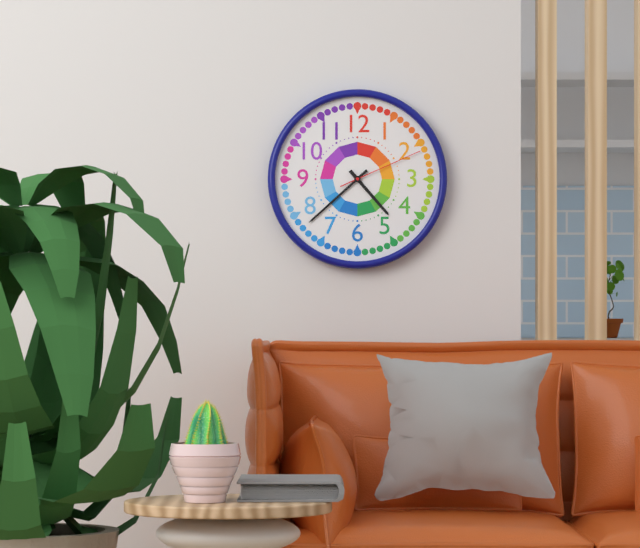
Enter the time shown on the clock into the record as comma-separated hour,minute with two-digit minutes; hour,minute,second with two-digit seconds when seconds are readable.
4,38,11
